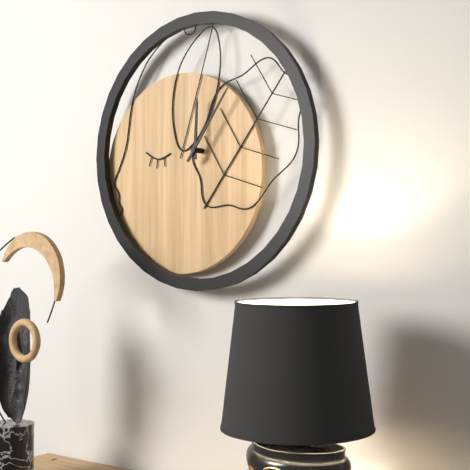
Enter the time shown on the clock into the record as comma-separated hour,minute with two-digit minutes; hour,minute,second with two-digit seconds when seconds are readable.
12,06
